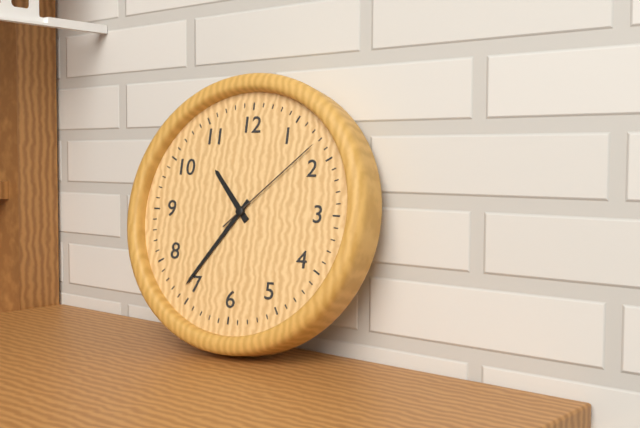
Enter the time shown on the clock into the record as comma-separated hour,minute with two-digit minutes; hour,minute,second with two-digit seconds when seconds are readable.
10,36,08
